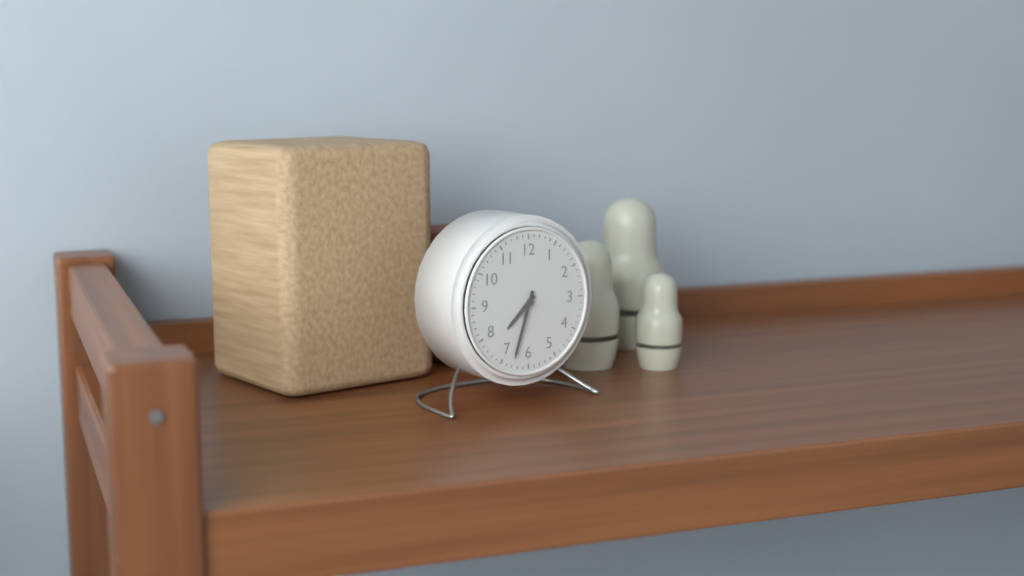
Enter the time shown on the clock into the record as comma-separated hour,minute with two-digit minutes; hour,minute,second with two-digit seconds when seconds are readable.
7,33
